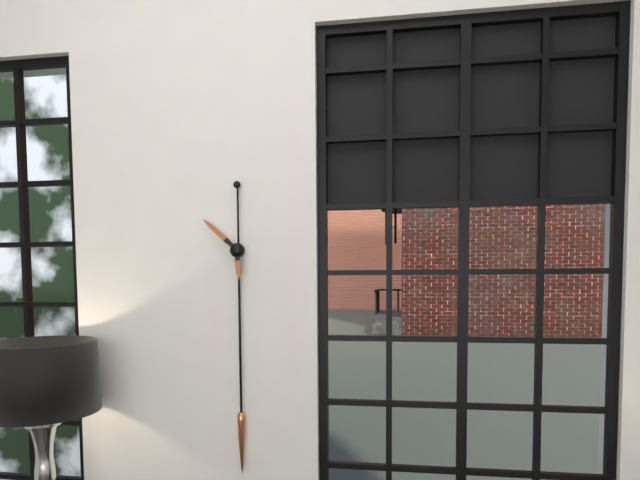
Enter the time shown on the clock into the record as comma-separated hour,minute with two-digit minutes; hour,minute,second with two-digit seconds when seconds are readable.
5,52
